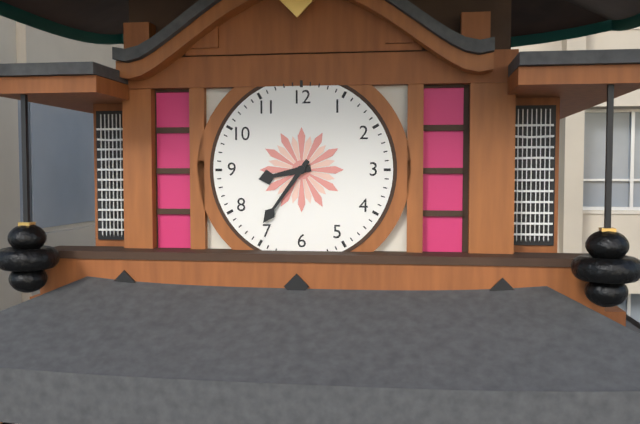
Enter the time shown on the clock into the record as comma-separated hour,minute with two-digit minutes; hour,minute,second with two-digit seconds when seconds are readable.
8,36
